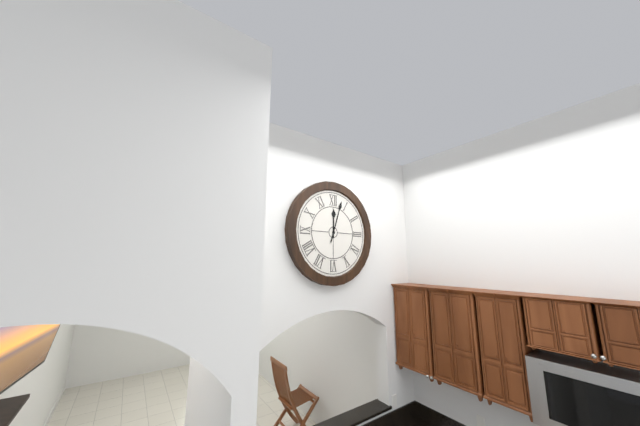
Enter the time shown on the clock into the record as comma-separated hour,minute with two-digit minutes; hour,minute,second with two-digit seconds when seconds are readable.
12,03
